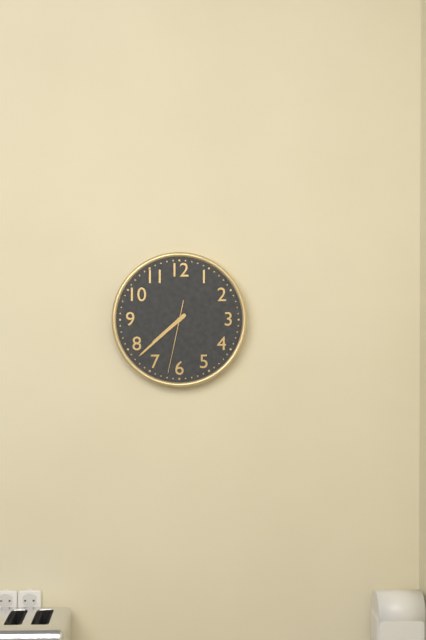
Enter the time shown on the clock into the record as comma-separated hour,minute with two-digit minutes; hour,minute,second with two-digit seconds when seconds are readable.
7,38,32
